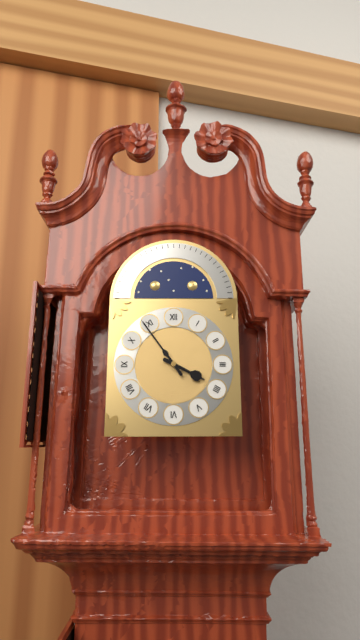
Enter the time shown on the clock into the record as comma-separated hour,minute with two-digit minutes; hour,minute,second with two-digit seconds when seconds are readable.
3,54
